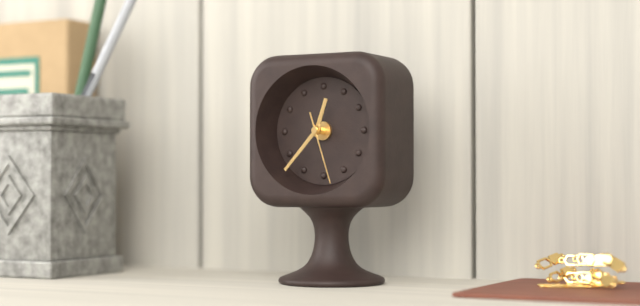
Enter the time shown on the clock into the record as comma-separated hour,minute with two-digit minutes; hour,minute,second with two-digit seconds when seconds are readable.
12,37,27
